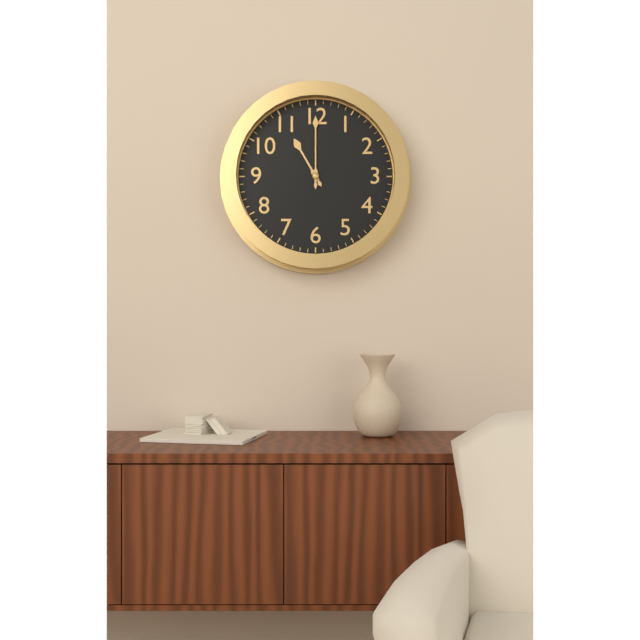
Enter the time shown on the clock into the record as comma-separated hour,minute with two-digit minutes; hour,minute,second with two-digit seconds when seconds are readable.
11,00
